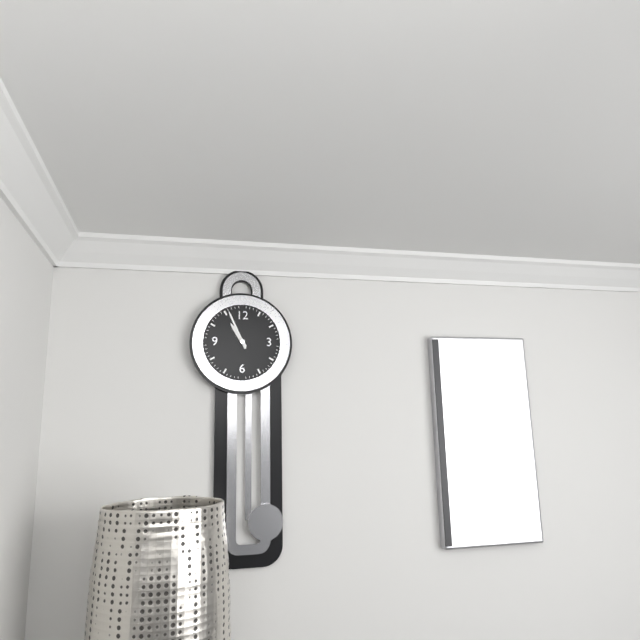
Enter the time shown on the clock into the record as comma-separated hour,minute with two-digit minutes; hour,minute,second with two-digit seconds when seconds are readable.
10,56
